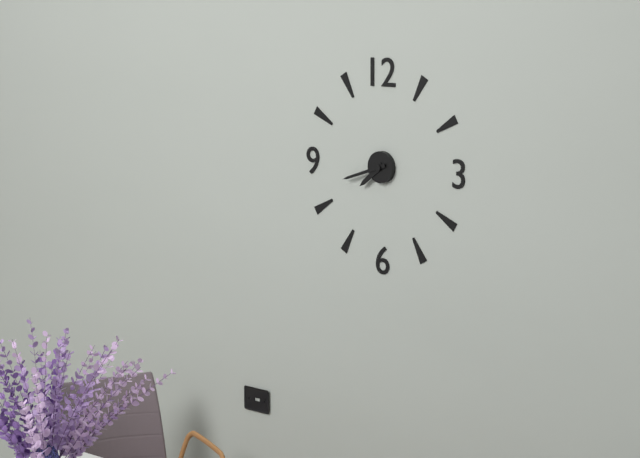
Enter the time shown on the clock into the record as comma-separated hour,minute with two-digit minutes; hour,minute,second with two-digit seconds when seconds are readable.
7,42
